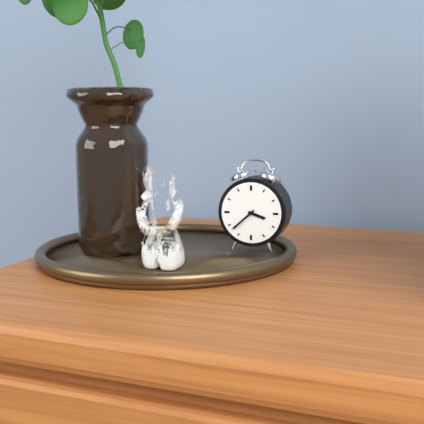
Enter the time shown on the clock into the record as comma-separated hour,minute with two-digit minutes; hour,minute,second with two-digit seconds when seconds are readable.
3,38
